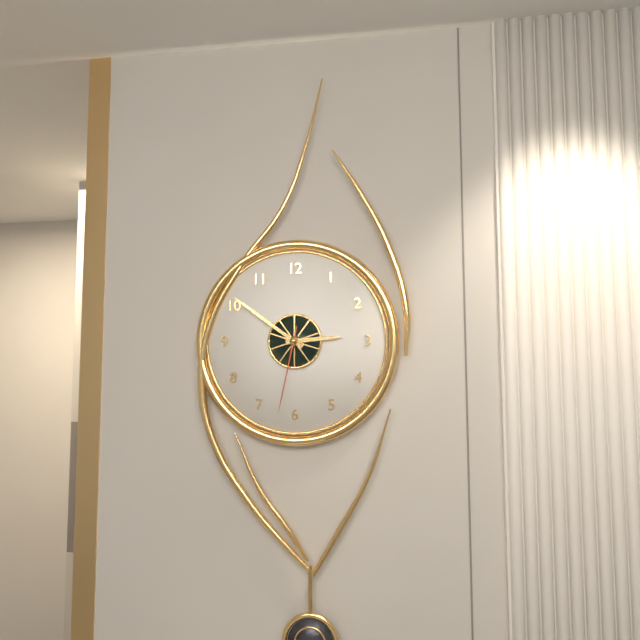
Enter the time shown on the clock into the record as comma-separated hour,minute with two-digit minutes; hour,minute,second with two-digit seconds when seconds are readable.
2,51,32
